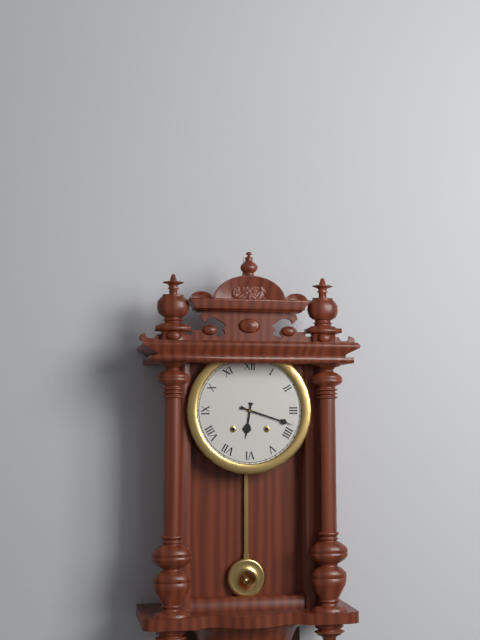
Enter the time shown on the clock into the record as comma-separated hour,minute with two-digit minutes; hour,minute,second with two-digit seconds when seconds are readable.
6,18
